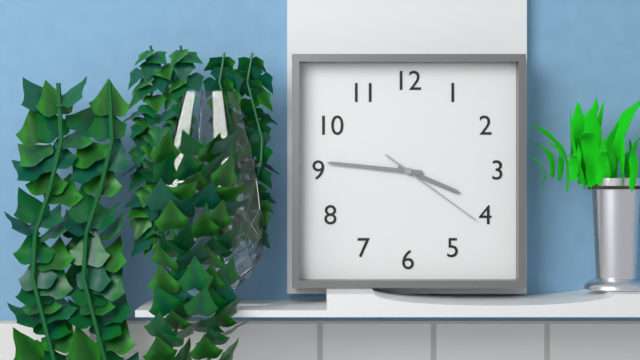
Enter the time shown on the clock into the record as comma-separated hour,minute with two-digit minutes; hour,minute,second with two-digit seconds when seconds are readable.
3,46,21
